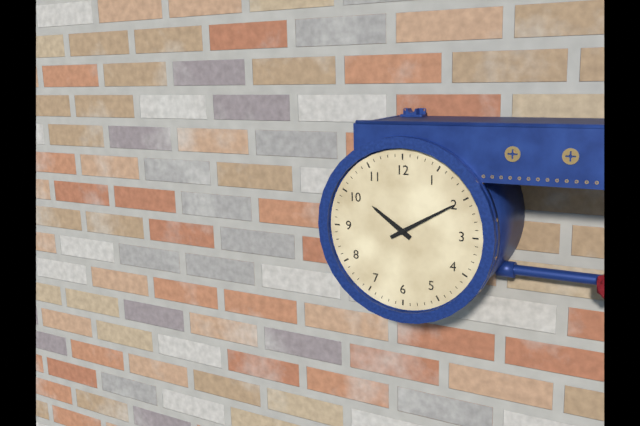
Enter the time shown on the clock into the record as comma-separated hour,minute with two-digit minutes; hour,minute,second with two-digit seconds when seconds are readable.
10,10
